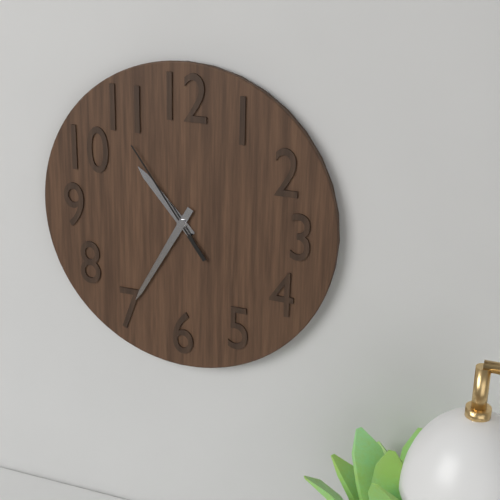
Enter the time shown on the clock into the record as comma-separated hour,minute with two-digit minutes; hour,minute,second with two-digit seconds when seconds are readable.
10,35,54
